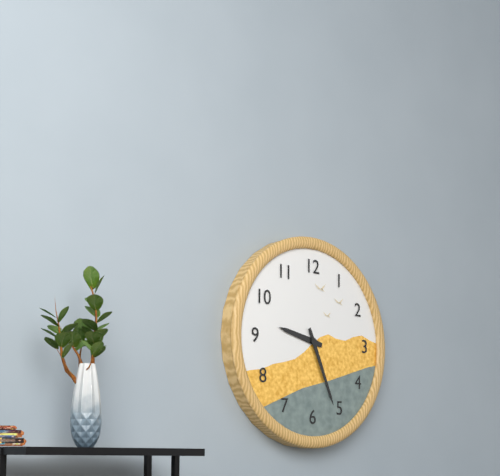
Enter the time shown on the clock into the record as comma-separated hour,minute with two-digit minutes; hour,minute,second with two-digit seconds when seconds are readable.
9,26
